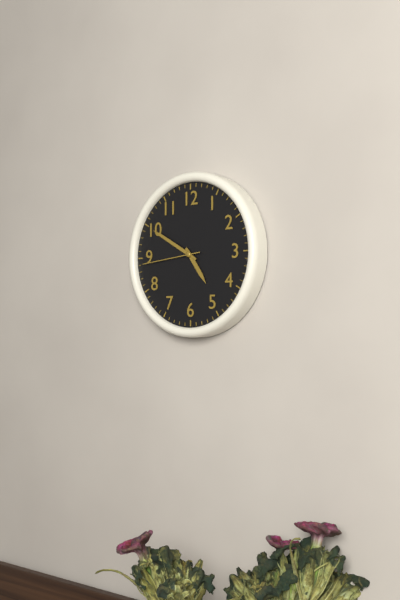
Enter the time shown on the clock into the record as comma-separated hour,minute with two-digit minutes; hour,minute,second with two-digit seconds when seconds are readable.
4,50,44
